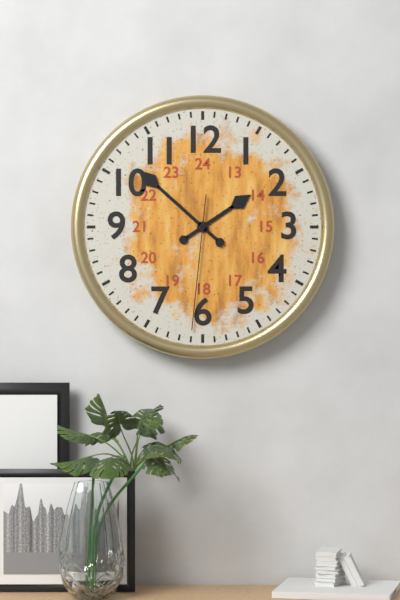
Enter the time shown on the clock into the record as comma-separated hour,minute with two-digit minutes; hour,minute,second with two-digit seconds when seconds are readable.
1,52,31
